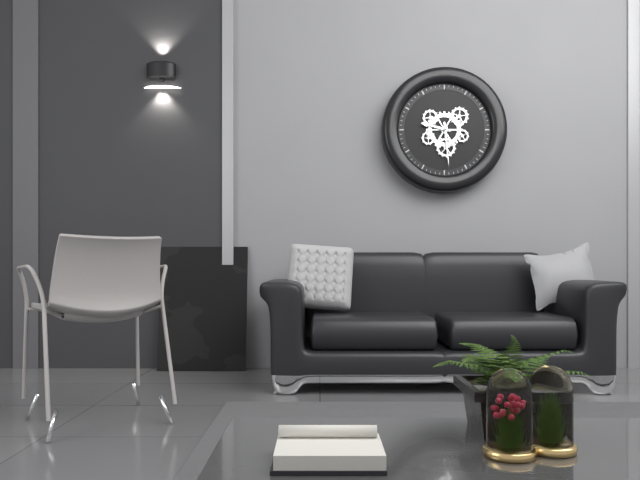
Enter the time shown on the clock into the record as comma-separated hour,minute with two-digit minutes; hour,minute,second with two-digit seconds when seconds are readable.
9,29
